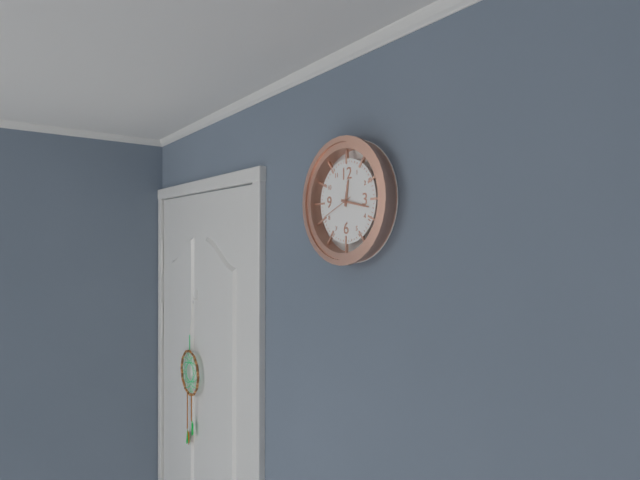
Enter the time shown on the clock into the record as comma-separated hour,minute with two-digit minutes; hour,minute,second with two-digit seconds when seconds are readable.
12,17
